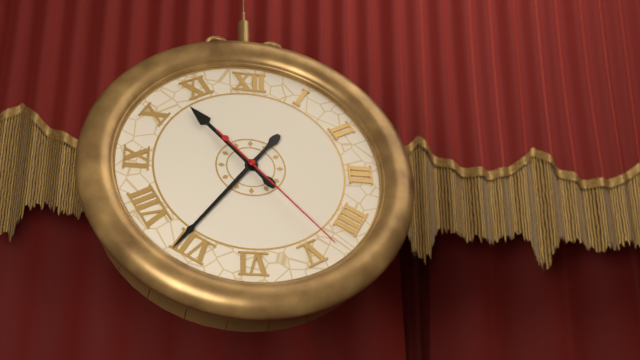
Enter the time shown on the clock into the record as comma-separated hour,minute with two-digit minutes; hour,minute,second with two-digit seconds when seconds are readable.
10,36,23
